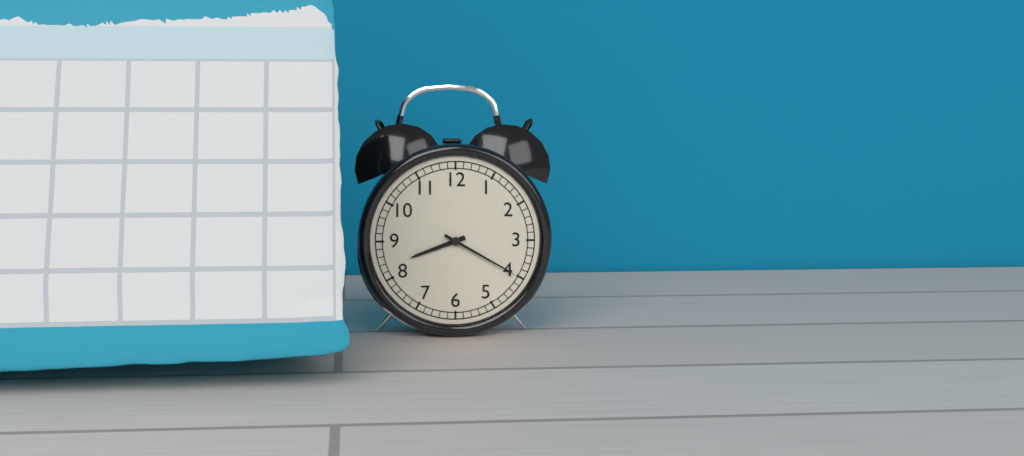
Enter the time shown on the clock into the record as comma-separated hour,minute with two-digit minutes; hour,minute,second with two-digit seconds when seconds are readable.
8,20
